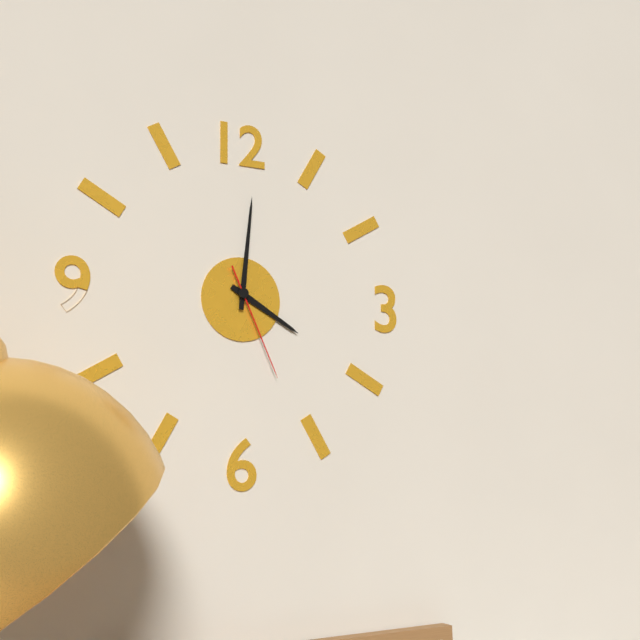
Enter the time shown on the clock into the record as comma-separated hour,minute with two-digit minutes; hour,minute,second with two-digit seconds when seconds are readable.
4,01,26
